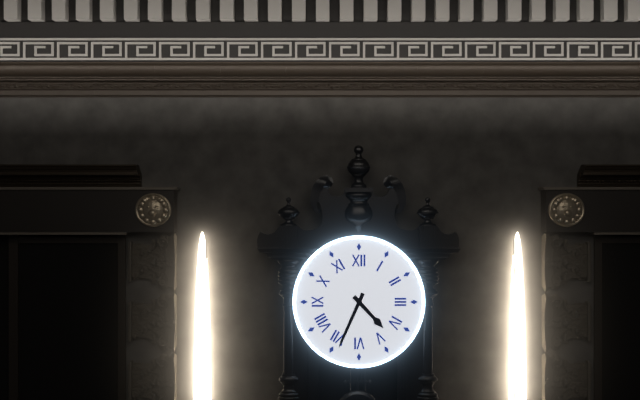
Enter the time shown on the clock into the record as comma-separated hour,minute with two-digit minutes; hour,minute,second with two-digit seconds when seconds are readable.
4,34
